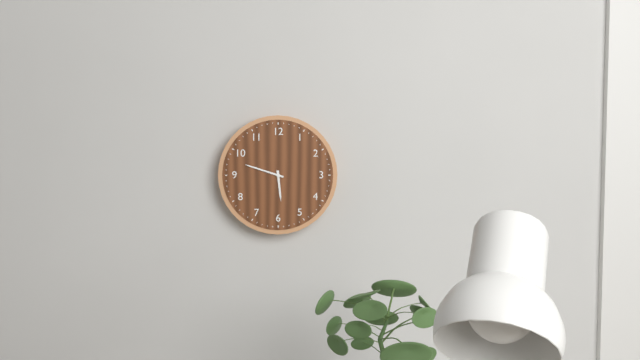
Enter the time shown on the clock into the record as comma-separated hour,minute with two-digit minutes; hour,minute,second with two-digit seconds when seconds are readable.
5,48
